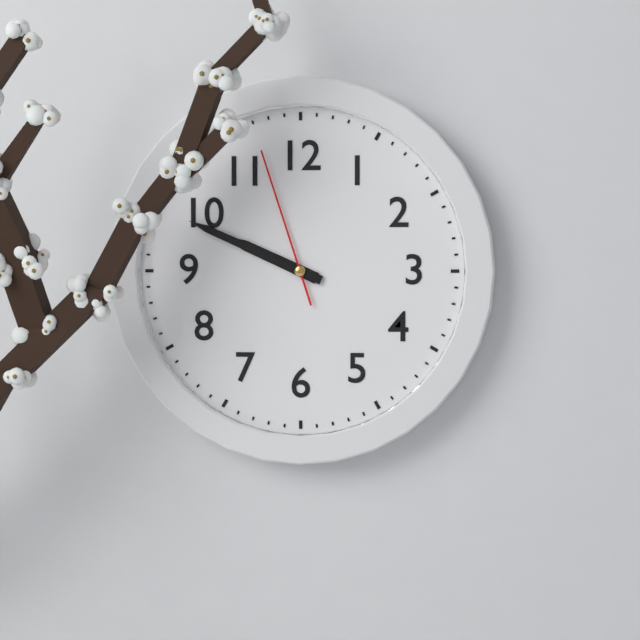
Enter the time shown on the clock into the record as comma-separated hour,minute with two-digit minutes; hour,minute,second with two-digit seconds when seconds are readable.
9,49,57
